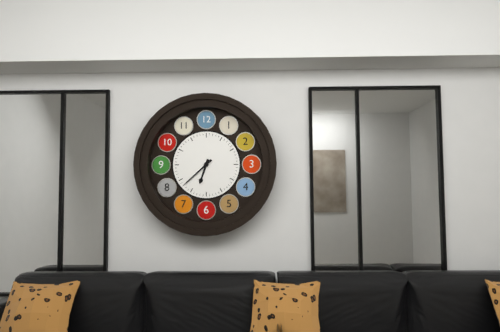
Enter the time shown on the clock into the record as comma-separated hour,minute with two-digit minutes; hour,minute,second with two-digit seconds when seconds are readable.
6,38
